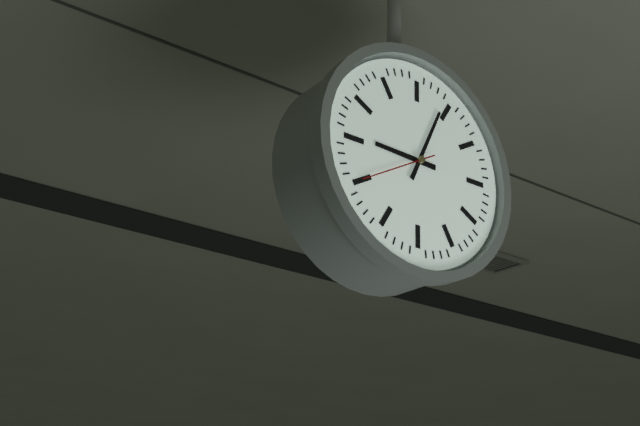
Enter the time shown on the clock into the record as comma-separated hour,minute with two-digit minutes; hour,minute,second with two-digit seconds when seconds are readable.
9,04
